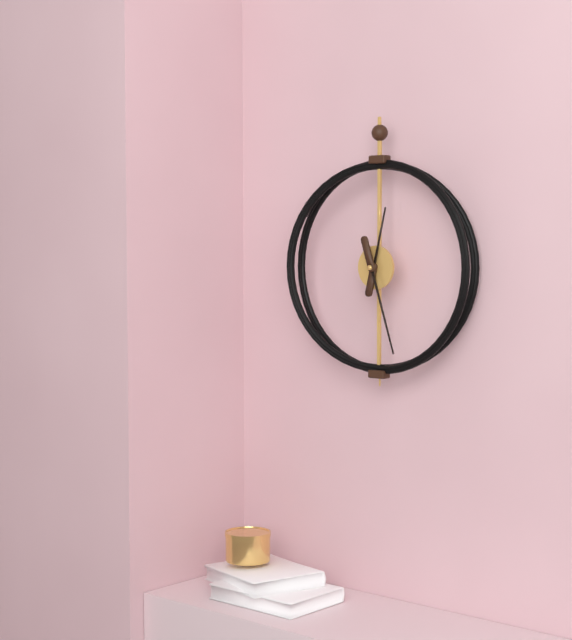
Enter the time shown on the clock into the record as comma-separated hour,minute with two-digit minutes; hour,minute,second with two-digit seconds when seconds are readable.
12,27
